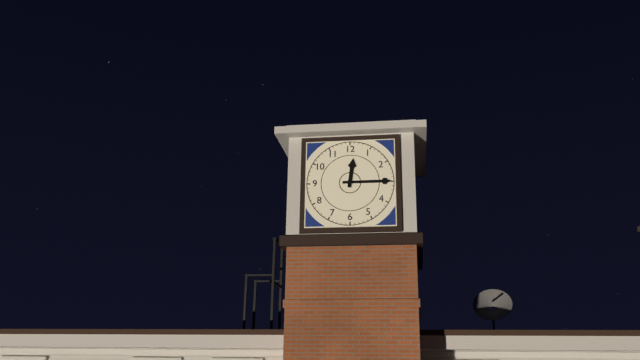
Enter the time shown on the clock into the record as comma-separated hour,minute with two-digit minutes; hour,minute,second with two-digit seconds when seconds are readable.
12,15
